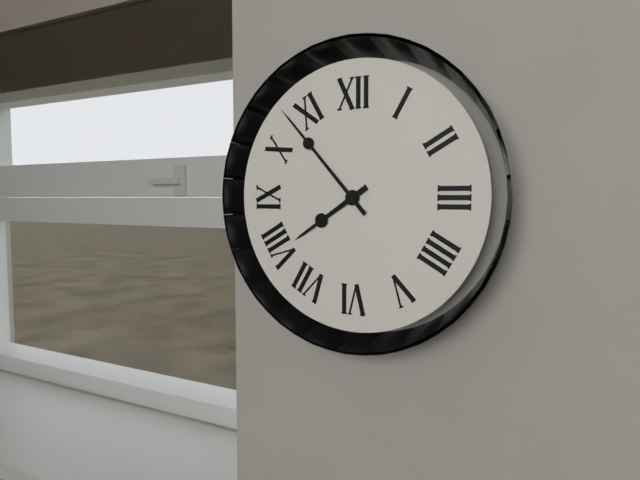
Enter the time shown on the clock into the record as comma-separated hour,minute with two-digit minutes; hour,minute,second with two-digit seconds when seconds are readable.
7,53
